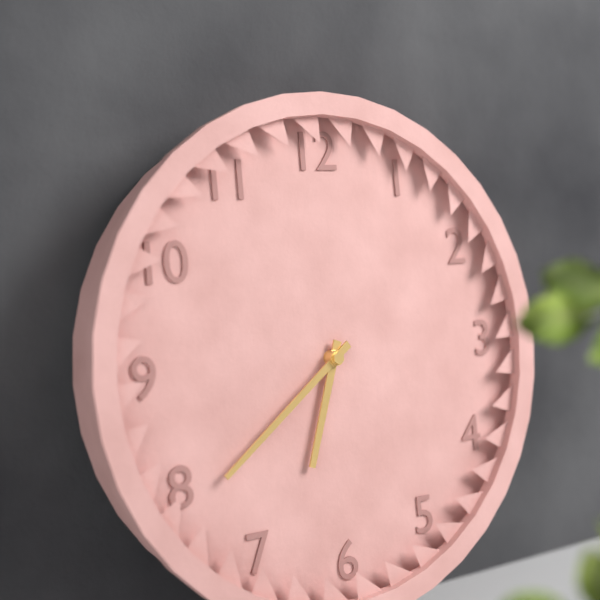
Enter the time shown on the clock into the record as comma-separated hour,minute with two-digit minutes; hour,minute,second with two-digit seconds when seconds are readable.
6,39
